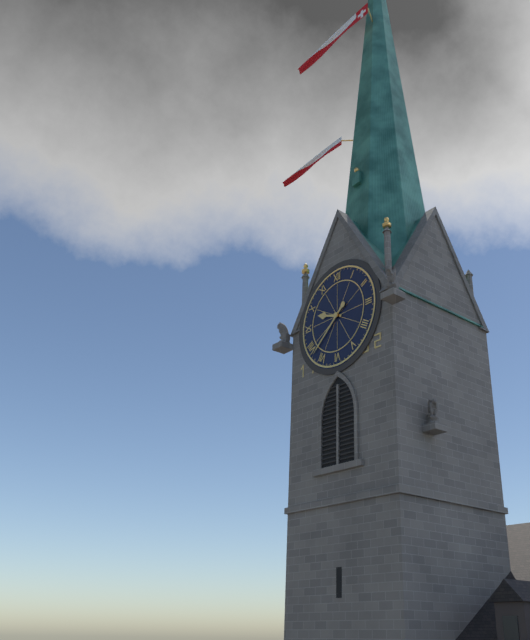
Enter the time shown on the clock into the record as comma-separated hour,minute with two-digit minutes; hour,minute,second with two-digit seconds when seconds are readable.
9,38
